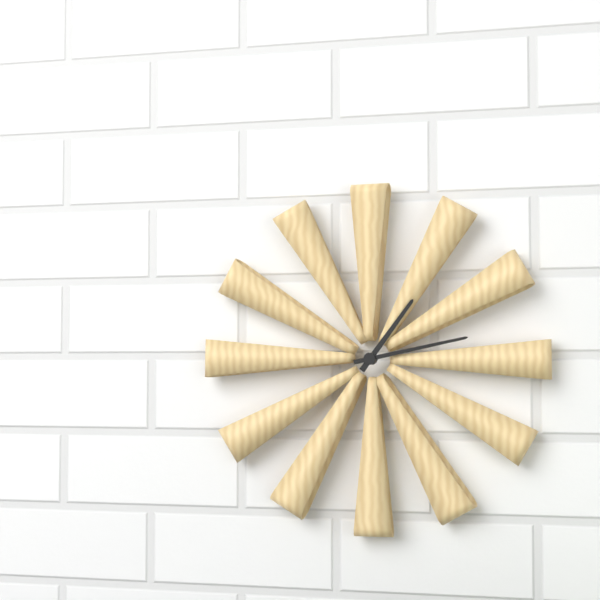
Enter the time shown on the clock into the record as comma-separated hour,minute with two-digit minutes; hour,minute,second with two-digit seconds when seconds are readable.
1,13
